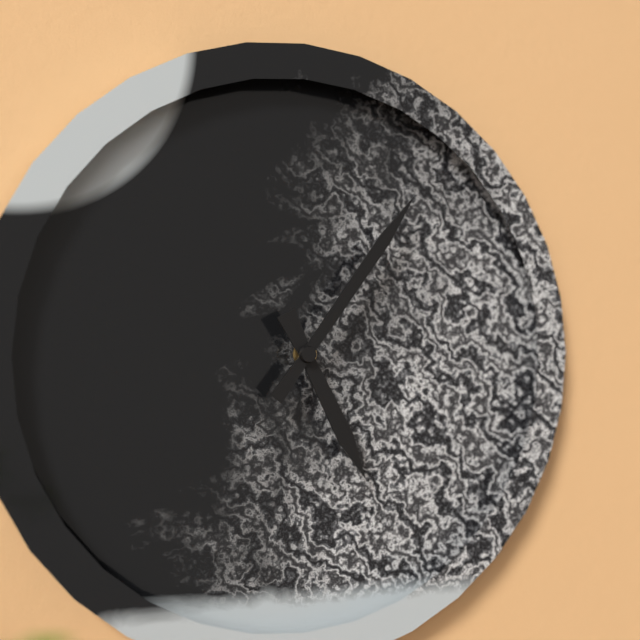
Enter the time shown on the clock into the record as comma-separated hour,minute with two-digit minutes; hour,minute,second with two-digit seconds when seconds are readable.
5,06
